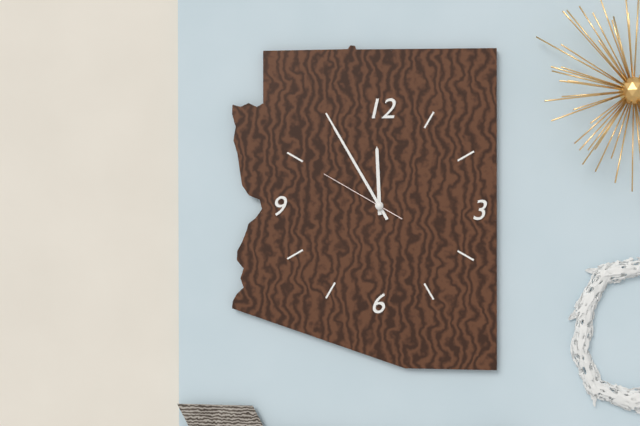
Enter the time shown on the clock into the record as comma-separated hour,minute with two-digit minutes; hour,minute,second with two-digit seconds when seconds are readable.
11,55,50
